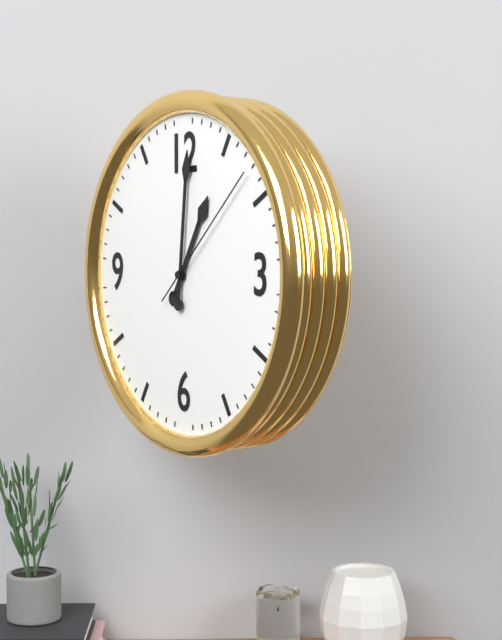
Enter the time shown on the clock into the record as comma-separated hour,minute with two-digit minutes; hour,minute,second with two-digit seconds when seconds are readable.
1,01,08
